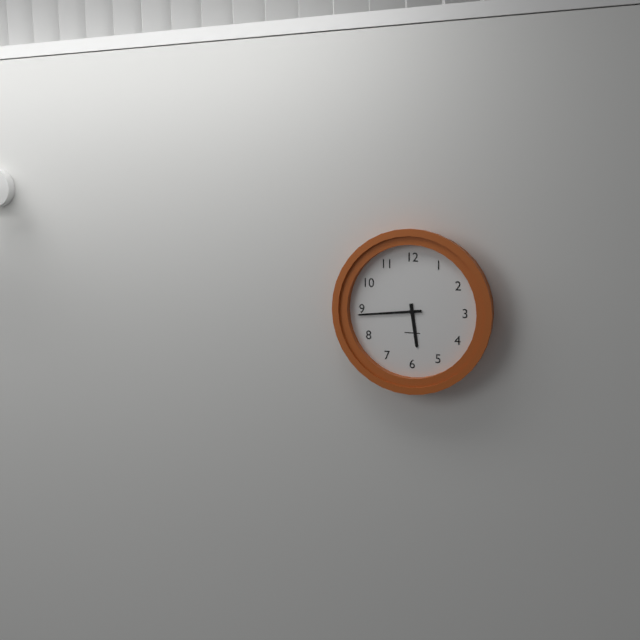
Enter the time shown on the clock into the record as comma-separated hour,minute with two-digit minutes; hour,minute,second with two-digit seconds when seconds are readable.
5,44
